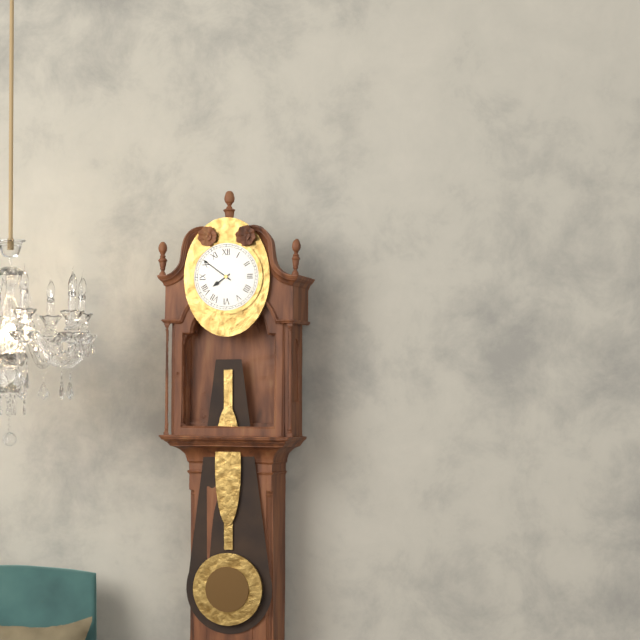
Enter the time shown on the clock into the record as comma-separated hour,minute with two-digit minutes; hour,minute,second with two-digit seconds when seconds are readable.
7,51
